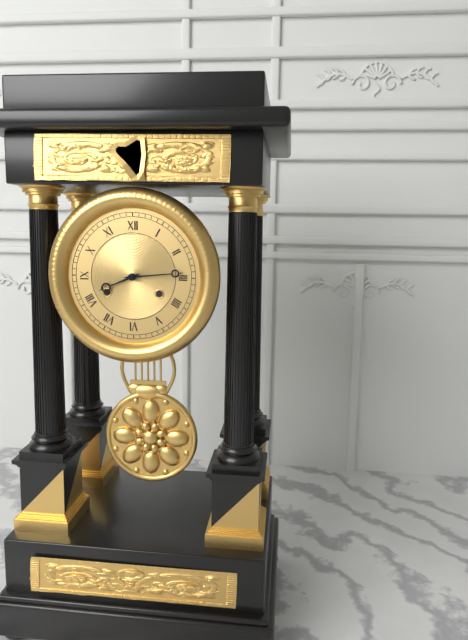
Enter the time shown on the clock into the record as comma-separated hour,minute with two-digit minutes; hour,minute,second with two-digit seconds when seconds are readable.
8,14
